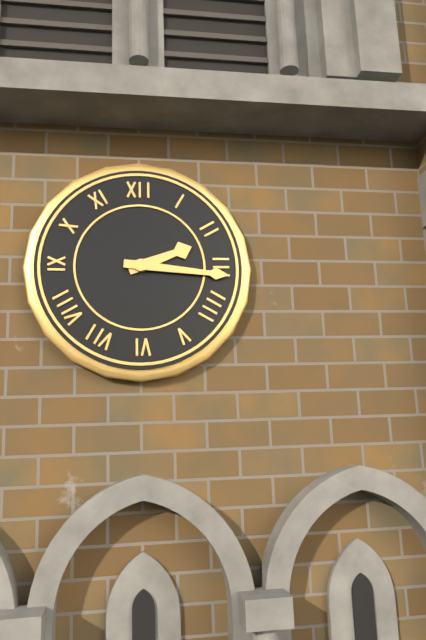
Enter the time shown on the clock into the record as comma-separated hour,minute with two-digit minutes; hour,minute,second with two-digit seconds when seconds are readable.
2,16
